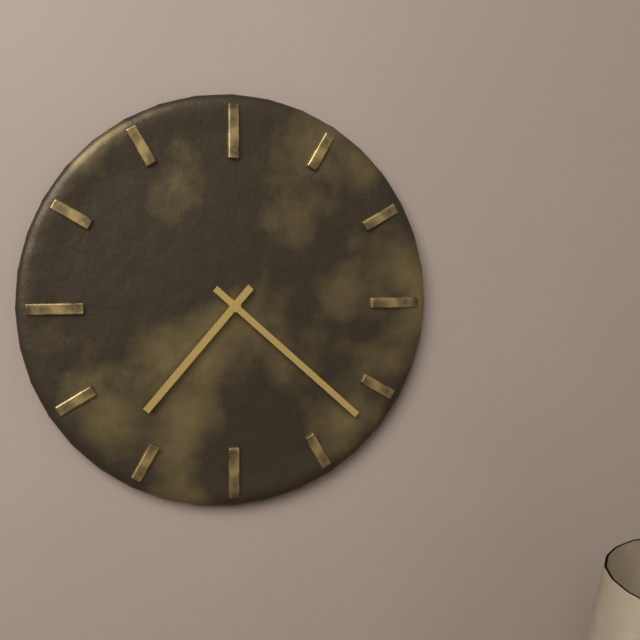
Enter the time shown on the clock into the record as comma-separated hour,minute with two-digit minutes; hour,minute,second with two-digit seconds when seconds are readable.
7,22
